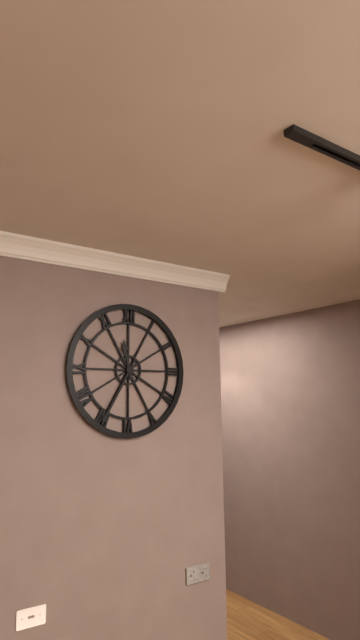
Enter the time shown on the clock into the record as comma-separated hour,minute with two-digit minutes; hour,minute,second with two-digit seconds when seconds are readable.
11,35
